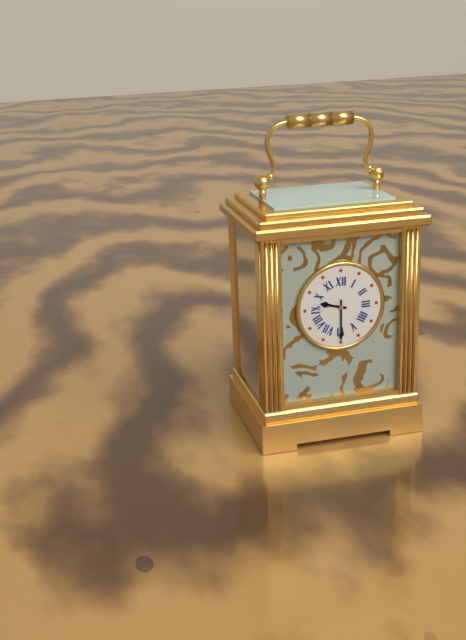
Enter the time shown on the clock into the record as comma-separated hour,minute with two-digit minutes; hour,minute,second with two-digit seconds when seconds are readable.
9,30
